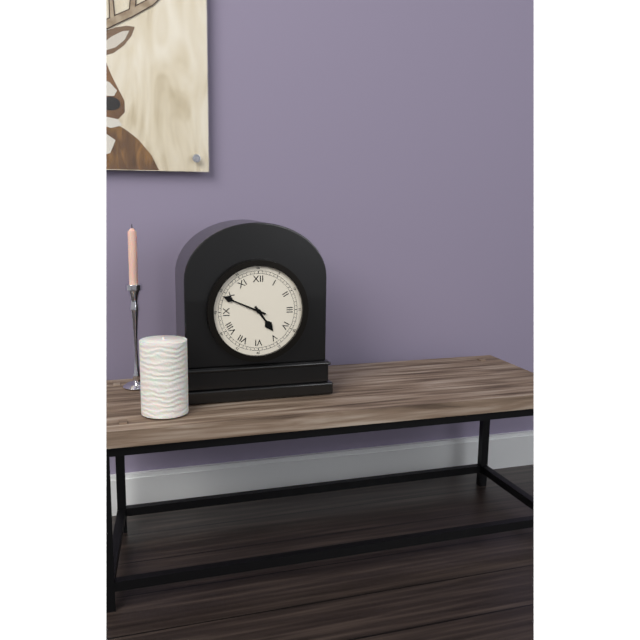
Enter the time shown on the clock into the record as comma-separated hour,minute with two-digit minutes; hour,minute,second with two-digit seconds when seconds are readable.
4,49
